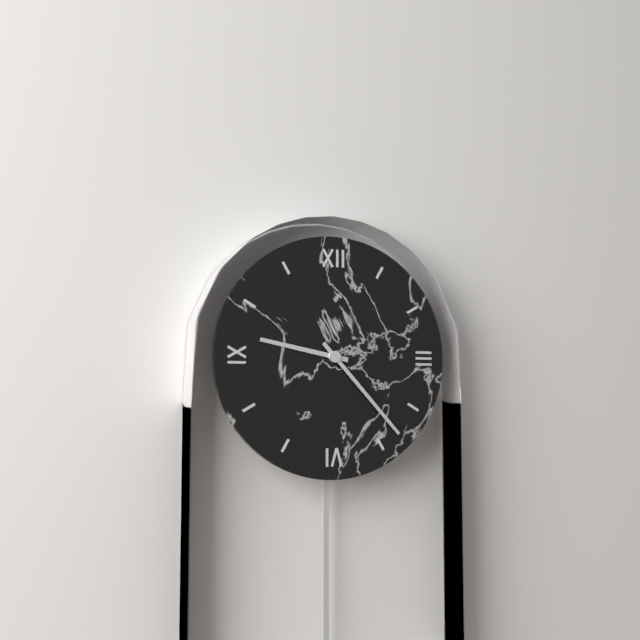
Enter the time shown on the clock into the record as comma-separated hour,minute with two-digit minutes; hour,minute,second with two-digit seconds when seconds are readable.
9,23
